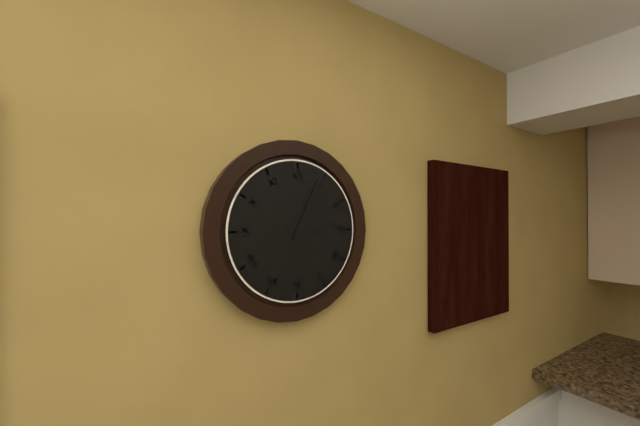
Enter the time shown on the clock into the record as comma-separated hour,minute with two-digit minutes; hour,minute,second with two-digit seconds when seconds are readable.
3,04
